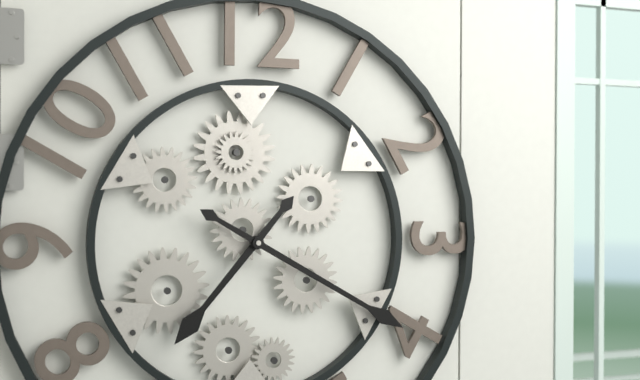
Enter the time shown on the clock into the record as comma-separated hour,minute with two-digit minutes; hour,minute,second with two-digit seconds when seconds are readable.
7,20
